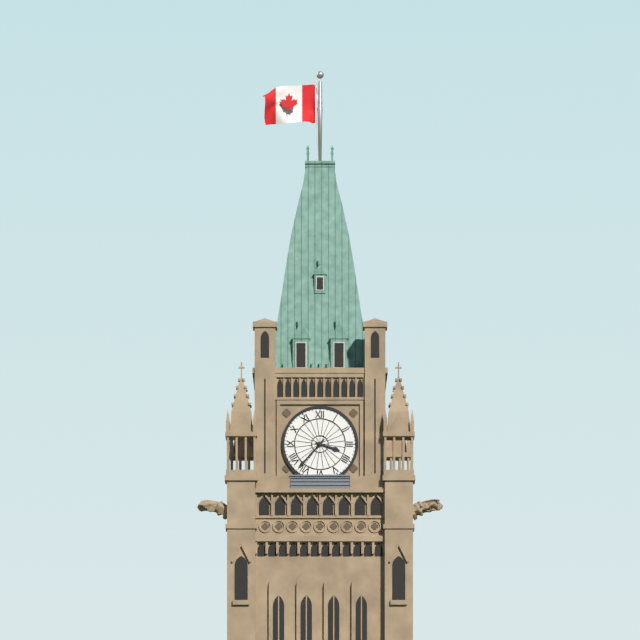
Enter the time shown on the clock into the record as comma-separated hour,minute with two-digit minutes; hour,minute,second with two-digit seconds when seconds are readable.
3,37
